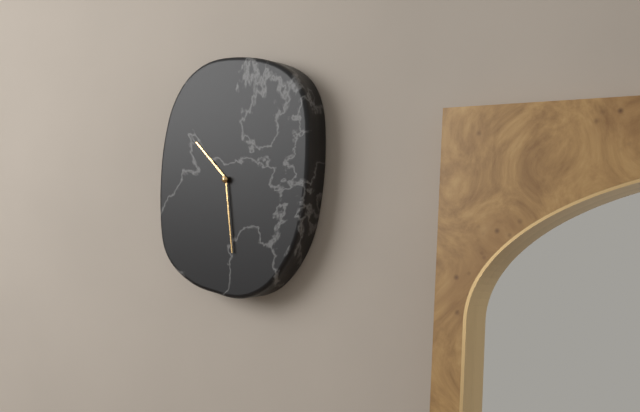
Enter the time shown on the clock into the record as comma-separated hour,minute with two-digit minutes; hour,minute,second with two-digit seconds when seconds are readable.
10,29
